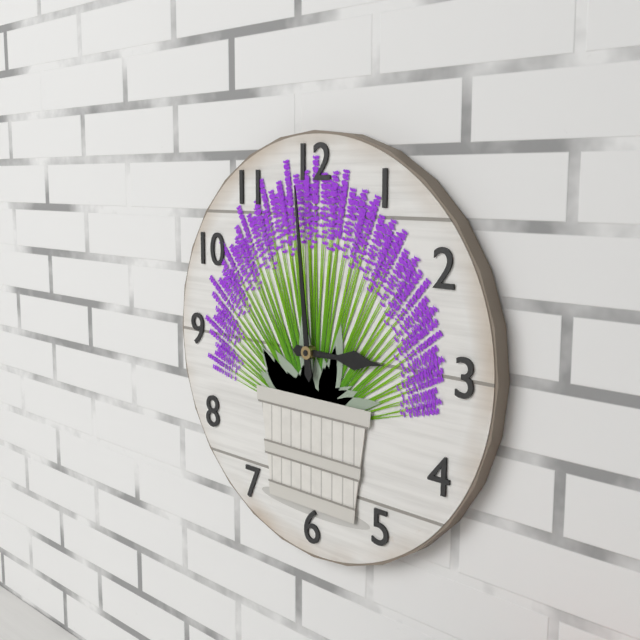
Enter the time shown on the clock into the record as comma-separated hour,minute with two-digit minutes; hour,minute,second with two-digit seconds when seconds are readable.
2,59
